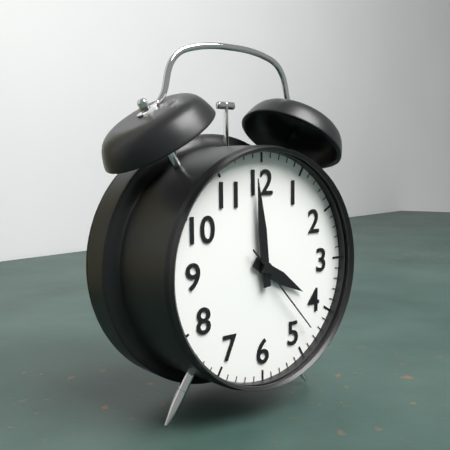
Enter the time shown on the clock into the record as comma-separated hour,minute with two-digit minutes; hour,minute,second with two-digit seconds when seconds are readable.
3,59,23
